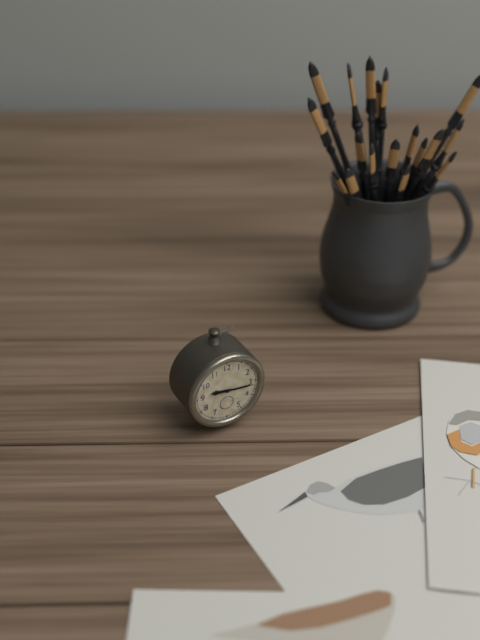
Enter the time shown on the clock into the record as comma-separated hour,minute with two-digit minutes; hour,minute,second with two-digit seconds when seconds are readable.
9,16
